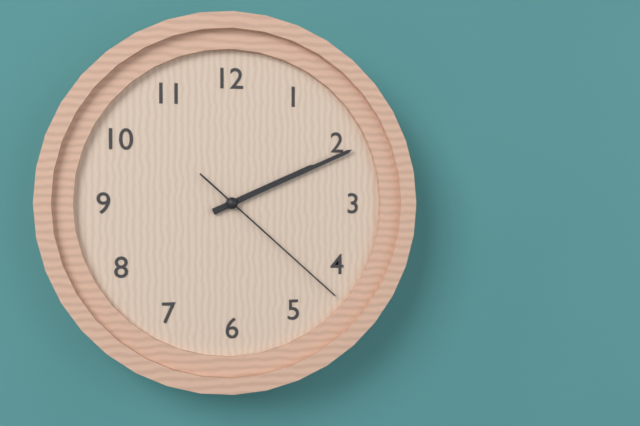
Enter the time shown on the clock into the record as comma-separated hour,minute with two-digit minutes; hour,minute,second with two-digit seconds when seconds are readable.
2,11,22
